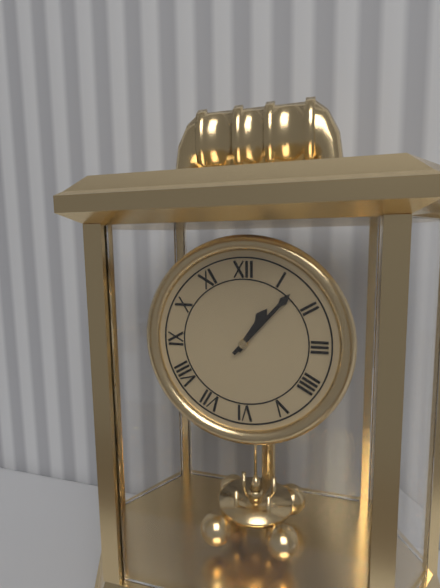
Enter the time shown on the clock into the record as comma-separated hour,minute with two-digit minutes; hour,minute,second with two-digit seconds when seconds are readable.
1,07
